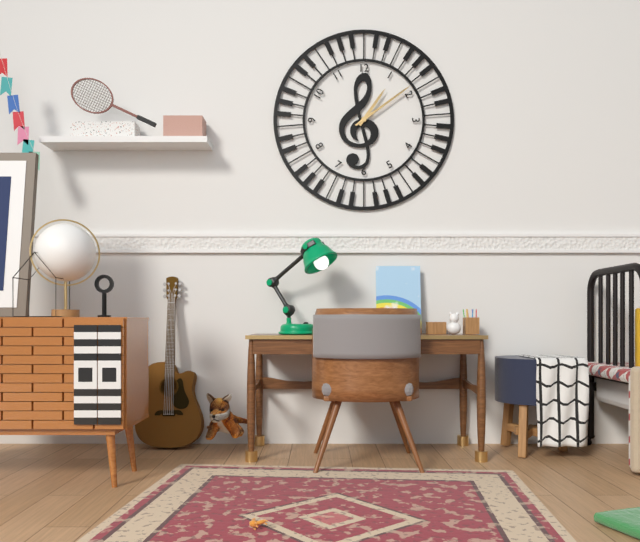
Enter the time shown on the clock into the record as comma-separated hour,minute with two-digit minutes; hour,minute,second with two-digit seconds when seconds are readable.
1,09
